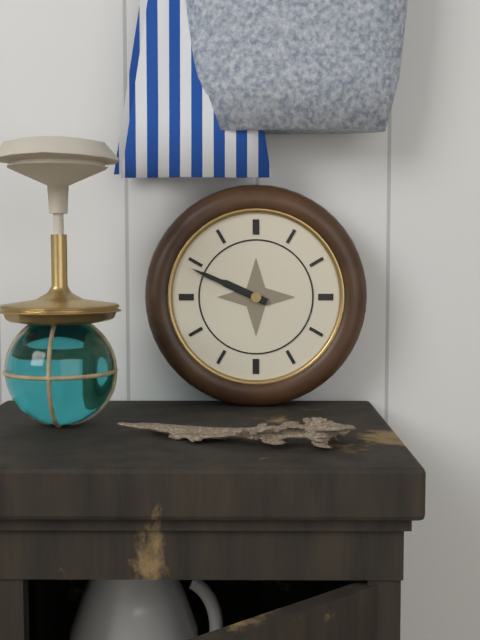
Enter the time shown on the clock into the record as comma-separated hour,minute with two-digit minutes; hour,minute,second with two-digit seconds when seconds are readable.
9,49
